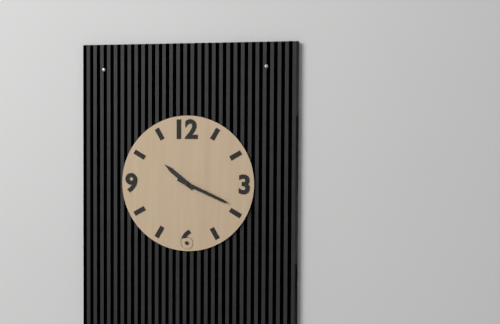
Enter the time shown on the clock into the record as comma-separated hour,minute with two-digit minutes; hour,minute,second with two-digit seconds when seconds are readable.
10,19
